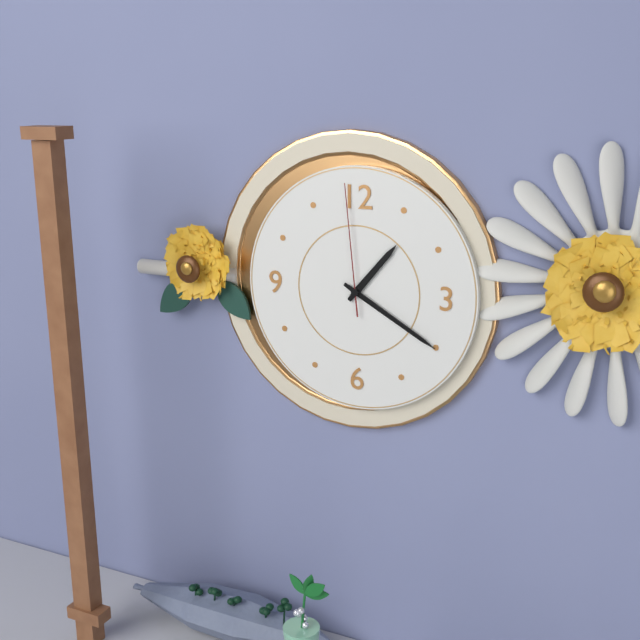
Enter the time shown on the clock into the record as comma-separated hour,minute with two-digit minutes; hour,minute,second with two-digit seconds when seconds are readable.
1,20,59
